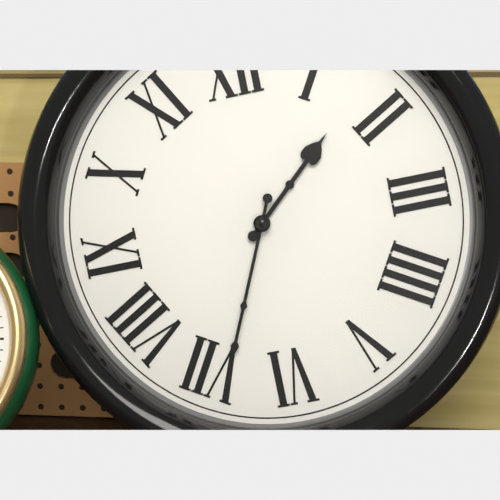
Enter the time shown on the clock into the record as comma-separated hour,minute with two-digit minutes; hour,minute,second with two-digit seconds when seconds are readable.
1,34
